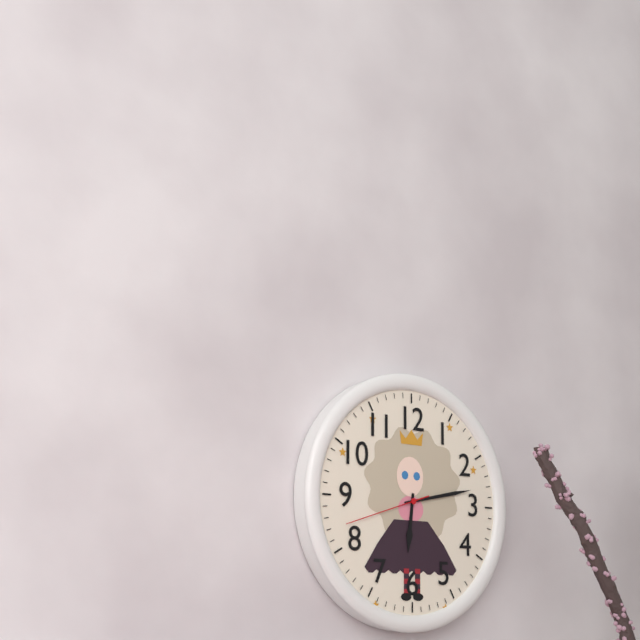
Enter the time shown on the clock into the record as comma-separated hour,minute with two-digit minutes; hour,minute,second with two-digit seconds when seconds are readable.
6,13,42
